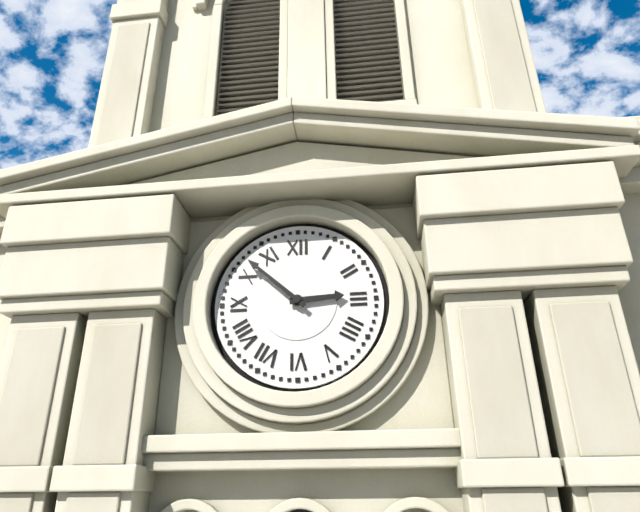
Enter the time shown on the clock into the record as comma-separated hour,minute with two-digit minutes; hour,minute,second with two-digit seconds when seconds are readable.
2,52
